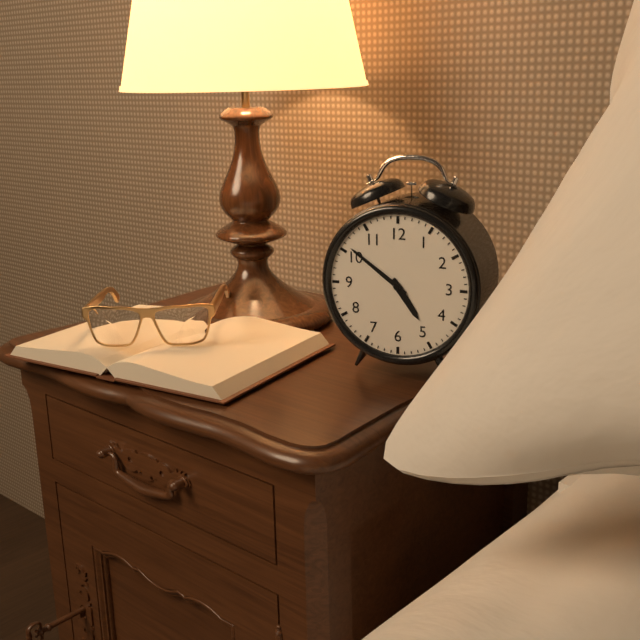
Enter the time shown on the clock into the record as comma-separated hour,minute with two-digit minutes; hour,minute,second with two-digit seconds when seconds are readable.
4,51
